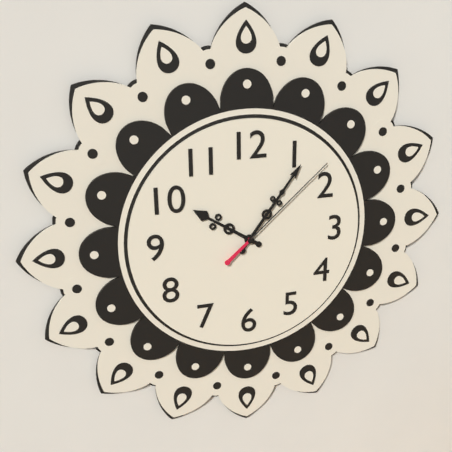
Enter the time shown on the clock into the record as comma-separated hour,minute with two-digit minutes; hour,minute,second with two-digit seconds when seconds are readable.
10,06,08
